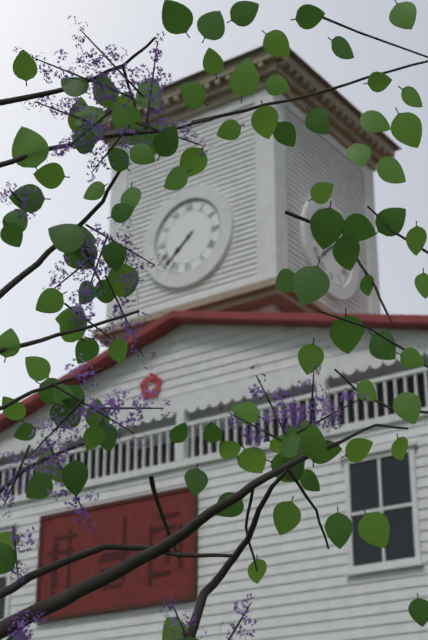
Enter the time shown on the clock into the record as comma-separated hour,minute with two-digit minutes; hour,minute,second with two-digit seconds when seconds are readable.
7,38
